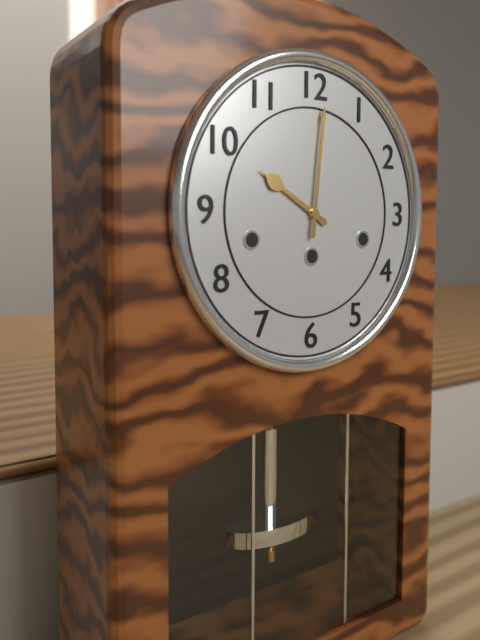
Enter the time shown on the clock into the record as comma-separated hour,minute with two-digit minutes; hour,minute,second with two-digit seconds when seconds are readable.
10,01
